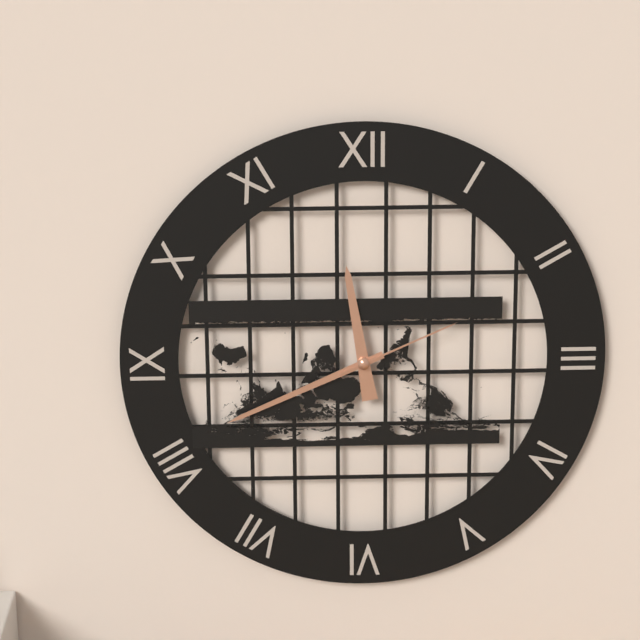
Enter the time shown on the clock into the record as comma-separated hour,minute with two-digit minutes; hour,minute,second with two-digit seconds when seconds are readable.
11,41,11
